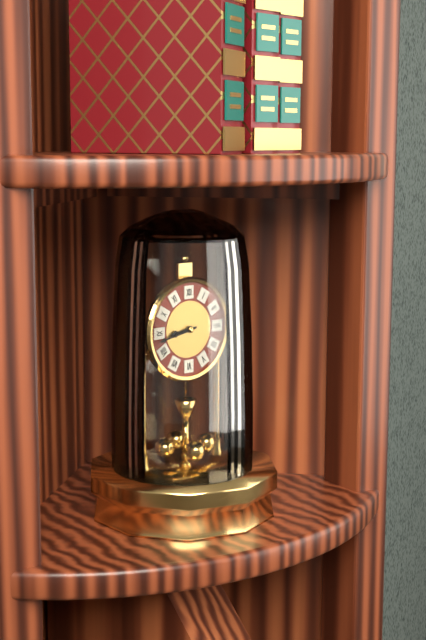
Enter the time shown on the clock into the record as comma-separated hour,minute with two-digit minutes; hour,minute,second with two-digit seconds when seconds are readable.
8,43
